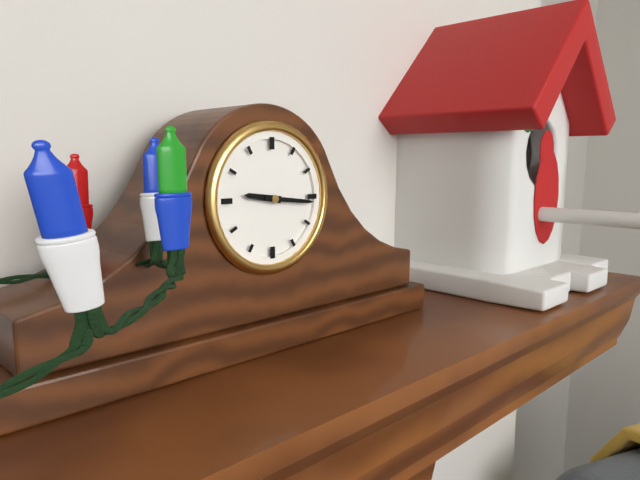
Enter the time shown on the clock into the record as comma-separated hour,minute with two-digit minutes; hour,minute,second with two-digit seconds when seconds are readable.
9,16
